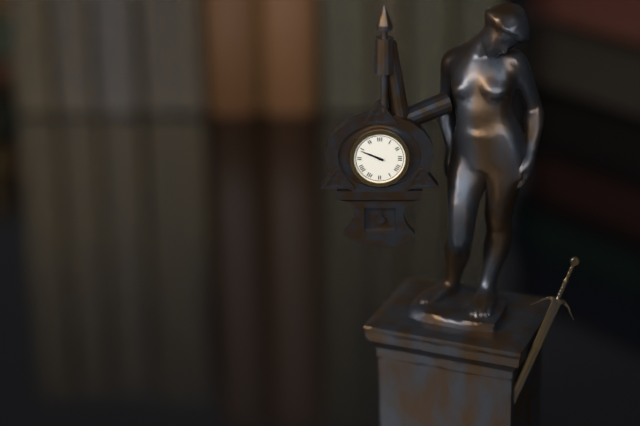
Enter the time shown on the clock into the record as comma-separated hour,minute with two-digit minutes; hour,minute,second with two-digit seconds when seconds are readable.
9,49
